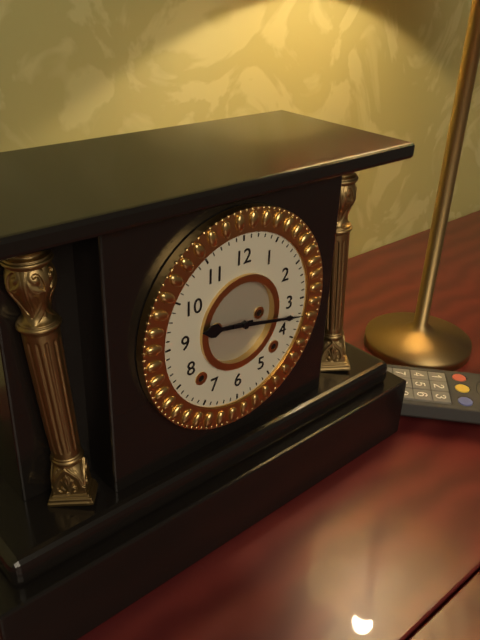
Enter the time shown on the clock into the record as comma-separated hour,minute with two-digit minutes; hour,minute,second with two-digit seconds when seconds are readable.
9,17
